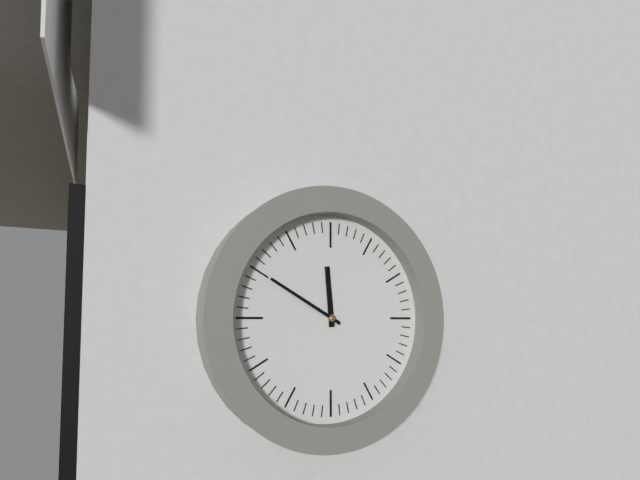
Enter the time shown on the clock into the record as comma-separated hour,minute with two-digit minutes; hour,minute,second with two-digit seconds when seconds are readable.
11,50
